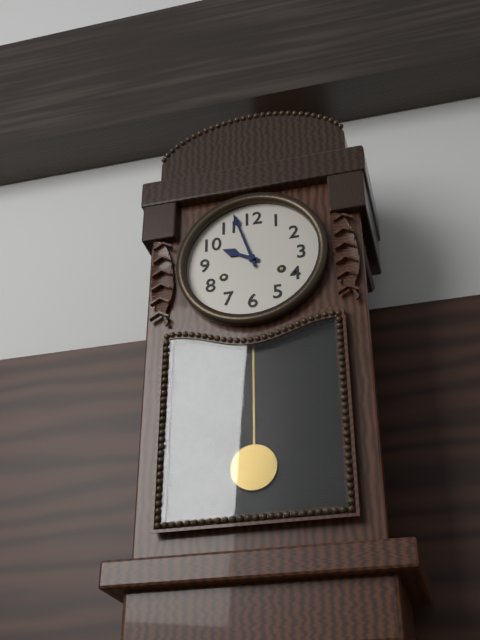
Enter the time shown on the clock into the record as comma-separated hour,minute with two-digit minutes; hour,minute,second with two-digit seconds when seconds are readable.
9,57
